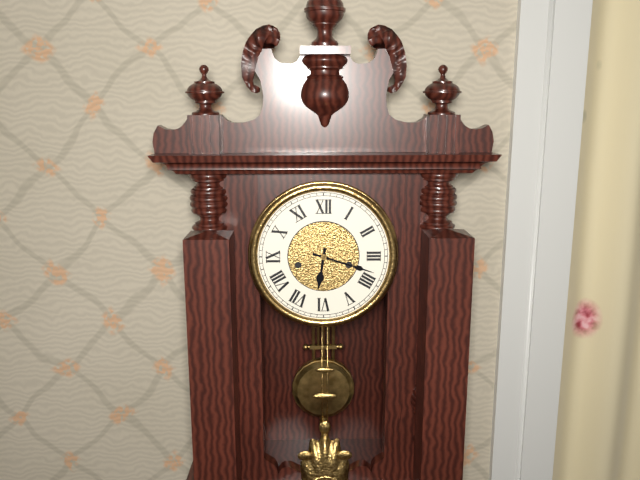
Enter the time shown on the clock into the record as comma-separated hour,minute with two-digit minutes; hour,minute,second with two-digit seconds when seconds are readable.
6,18
